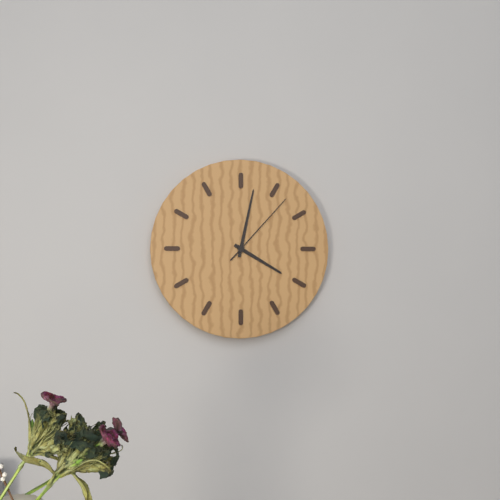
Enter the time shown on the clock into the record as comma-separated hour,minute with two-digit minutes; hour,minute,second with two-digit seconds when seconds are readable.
4,02,07
